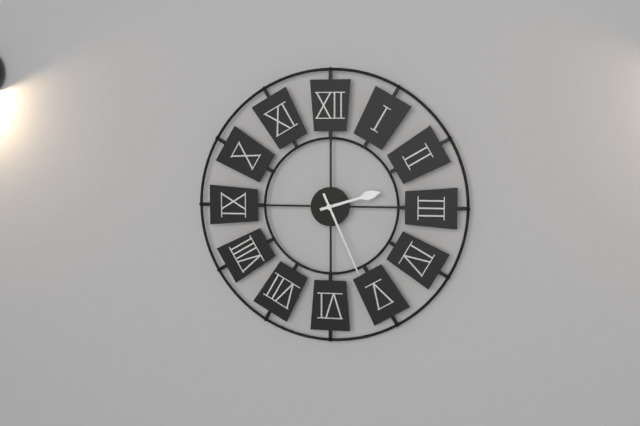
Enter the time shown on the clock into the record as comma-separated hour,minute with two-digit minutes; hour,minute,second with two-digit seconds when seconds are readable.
2,26
